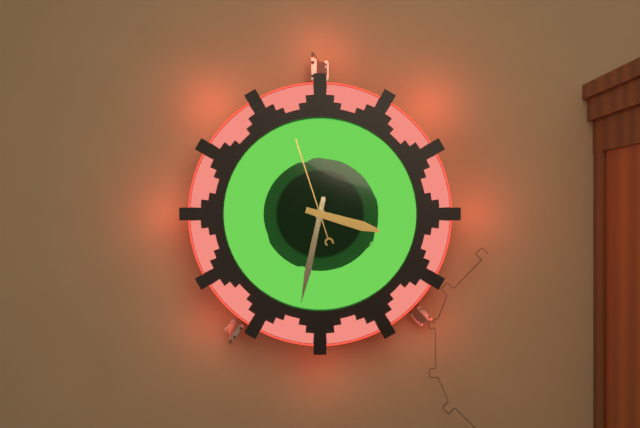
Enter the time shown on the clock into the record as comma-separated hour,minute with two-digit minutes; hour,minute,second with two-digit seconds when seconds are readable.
3,32,57
